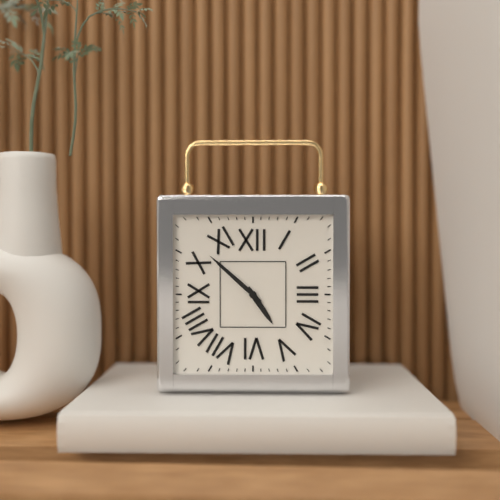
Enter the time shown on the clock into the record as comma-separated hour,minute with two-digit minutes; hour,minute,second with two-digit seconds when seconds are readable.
4,52
